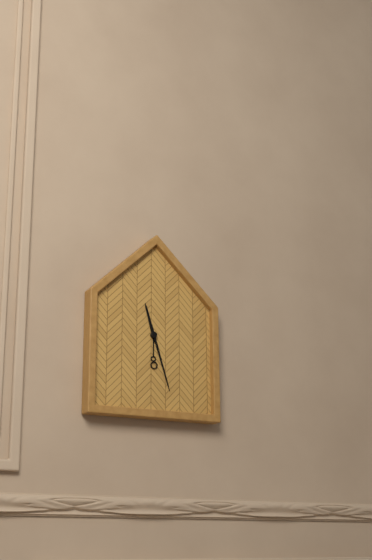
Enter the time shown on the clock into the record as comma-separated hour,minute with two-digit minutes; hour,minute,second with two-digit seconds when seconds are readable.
11,27
